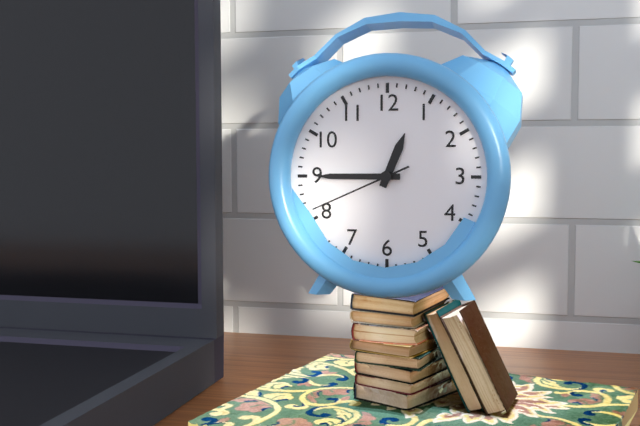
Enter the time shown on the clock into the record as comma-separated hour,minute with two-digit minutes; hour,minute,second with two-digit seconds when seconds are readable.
12,45,41
